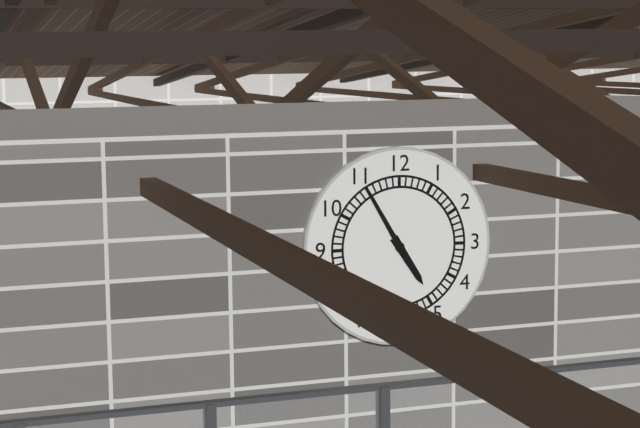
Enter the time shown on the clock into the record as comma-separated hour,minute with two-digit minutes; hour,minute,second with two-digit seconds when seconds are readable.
4,55
